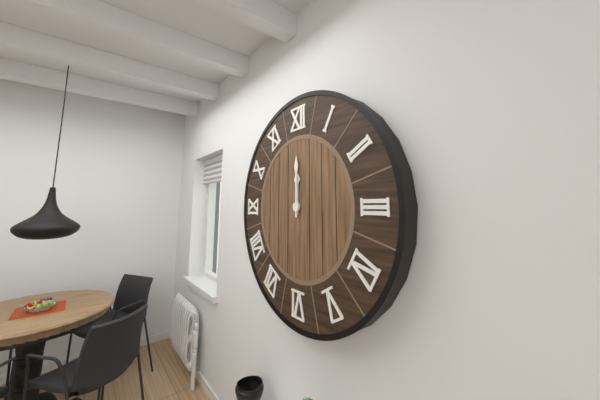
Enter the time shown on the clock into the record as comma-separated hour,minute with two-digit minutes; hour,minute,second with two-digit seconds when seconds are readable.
12,00
